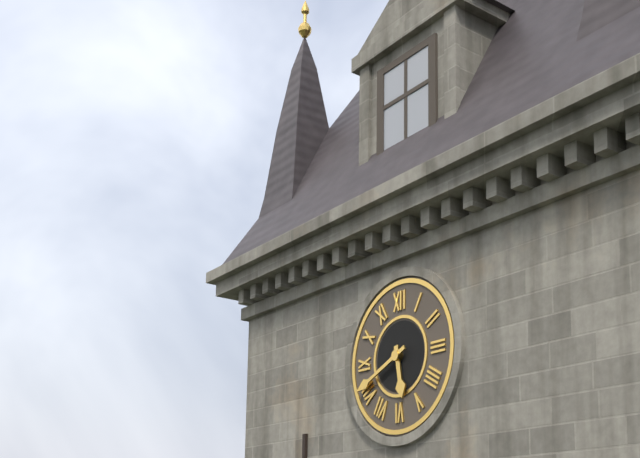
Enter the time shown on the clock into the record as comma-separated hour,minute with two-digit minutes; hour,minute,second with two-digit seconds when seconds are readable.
5,41
